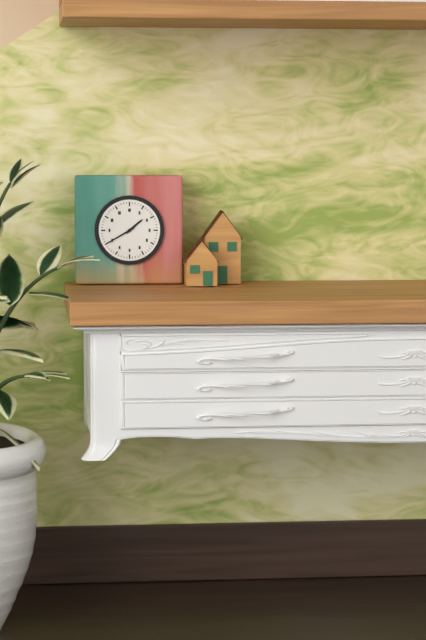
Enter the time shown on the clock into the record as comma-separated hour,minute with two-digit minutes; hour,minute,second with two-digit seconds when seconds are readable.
1,40
